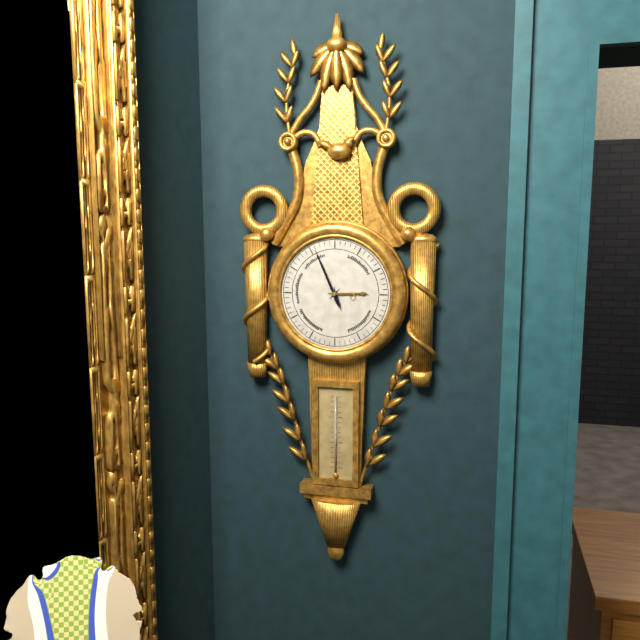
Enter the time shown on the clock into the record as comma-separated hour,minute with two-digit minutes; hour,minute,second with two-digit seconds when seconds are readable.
2,56
